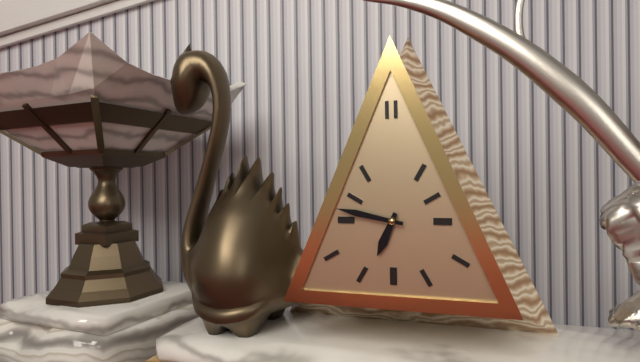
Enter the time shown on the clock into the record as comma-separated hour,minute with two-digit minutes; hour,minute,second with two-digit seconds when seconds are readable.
6,47
